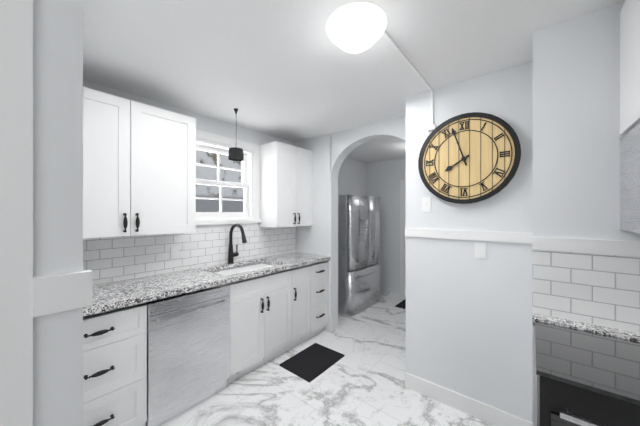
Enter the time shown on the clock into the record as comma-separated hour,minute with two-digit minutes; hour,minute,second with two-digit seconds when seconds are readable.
7,57
